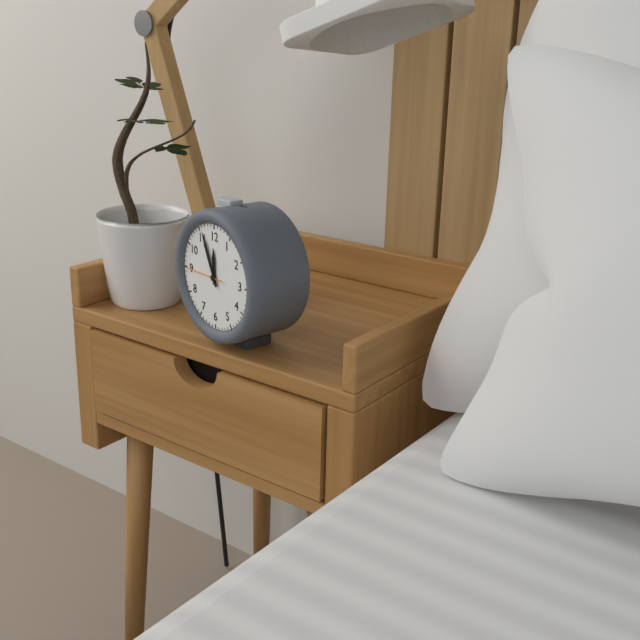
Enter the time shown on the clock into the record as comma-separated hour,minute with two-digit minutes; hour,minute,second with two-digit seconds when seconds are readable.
11,56,45
